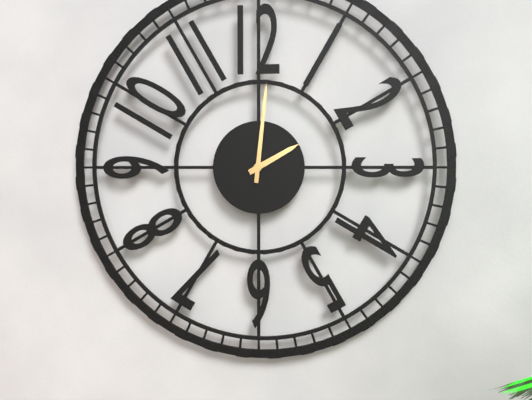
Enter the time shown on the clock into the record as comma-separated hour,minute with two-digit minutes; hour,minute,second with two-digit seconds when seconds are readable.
2,01
